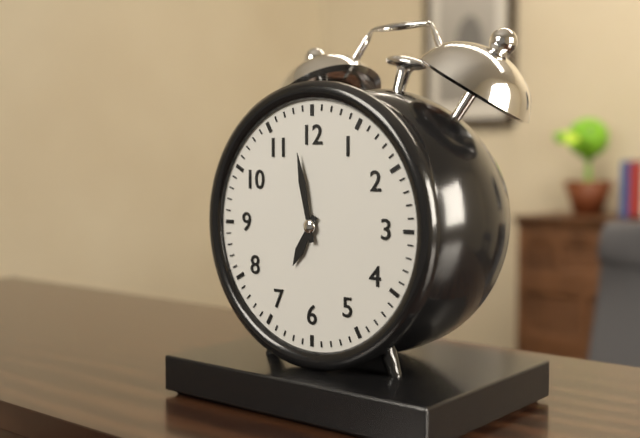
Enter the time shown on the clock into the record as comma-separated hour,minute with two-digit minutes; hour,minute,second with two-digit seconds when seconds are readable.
6,58
